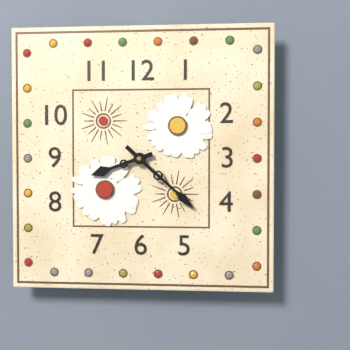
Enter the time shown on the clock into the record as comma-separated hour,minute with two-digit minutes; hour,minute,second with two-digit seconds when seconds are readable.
8,22
